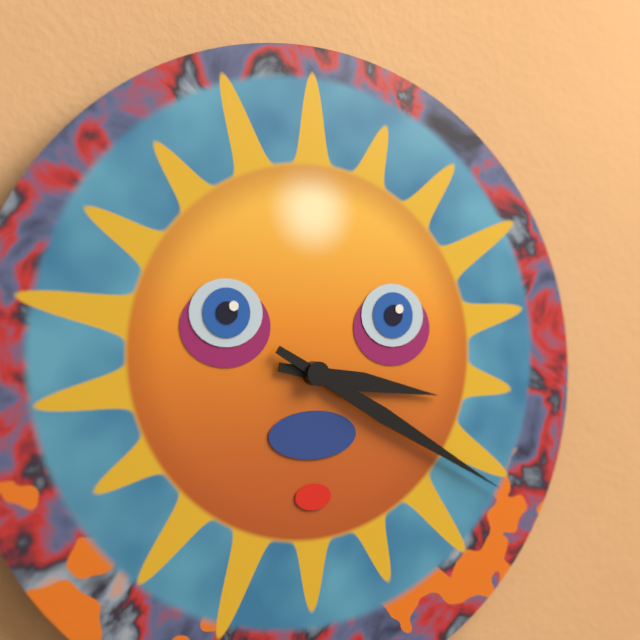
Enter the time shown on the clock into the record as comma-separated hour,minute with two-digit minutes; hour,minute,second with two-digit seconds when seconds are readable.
3,20
